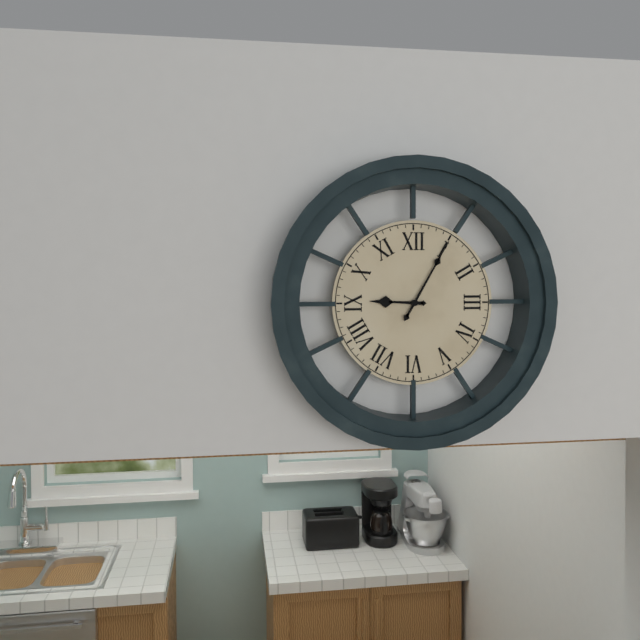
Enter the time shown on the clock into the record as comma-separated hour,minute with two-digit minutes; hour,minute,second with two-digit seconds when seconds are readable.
9,05
